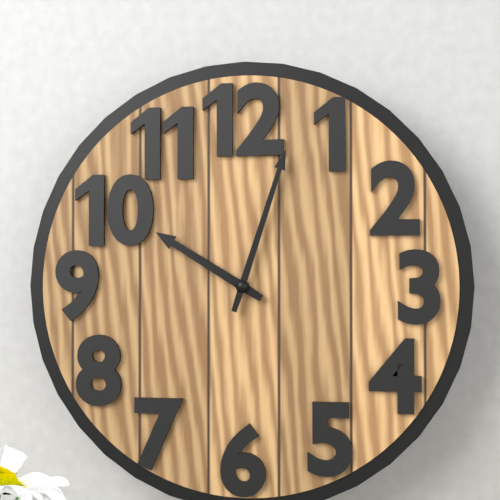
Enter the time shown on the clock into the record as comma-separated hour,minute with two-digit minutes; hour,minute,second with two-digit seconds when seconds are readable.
10,03
